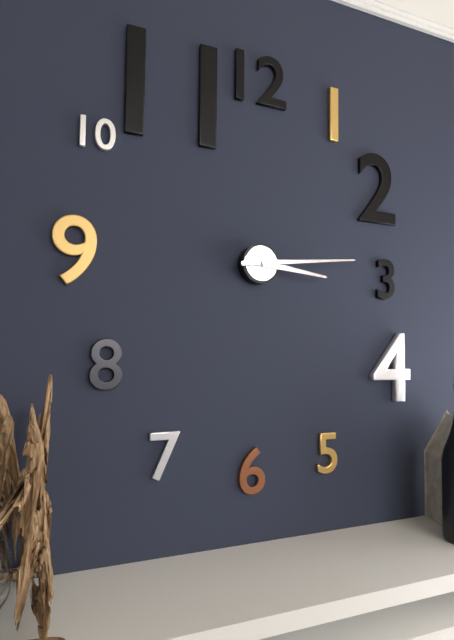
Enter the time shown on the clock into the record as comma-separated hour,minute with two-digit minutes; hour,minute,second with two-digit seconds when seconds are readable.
3,14
